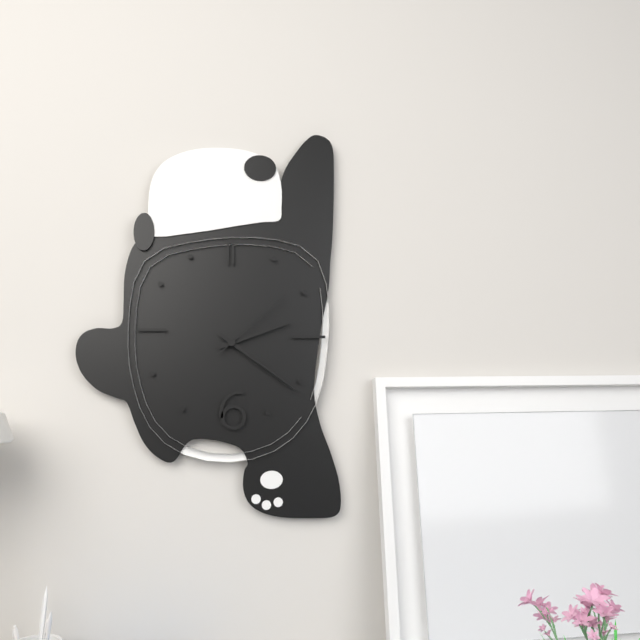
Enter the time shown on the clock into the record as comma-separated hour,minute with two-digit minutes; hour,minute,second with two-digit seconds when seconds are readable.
2,21,08
